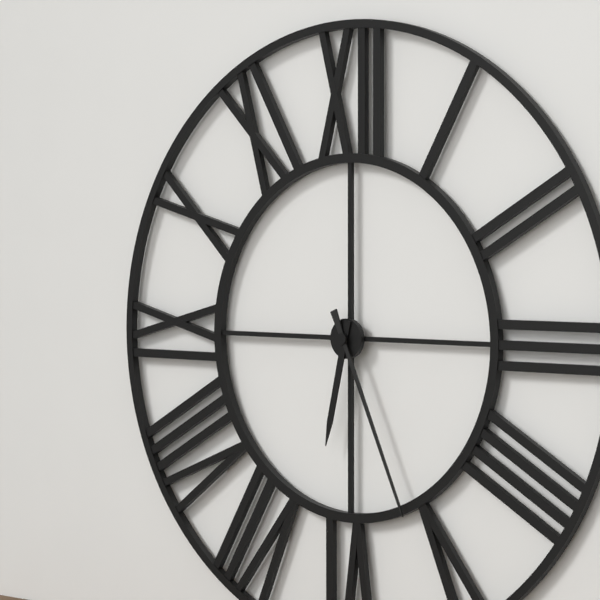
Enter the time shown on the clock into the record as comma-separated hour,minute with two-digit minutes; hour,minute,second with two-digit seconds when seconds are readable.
6,26
